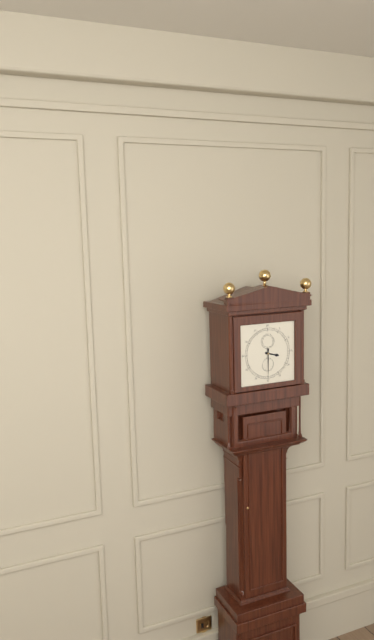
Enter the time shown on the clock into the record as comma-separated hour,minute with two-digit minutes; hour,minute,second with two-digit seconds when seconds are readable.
3,30
